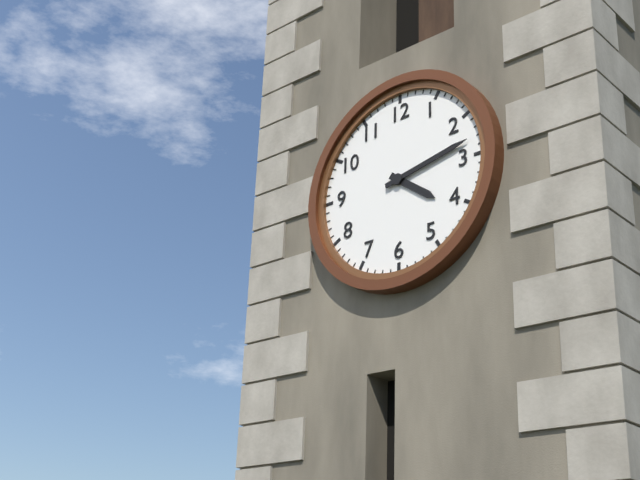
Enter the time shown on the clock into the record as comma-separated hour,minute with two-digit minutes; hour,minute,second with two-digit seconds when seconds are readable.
4,13
